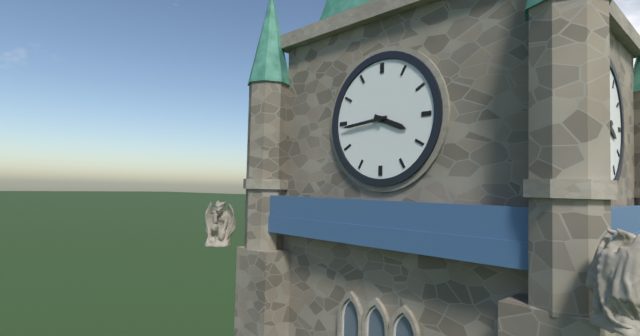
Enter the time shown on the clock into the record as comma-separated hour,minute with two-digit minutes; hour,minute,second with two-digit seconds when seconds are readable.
3,44
